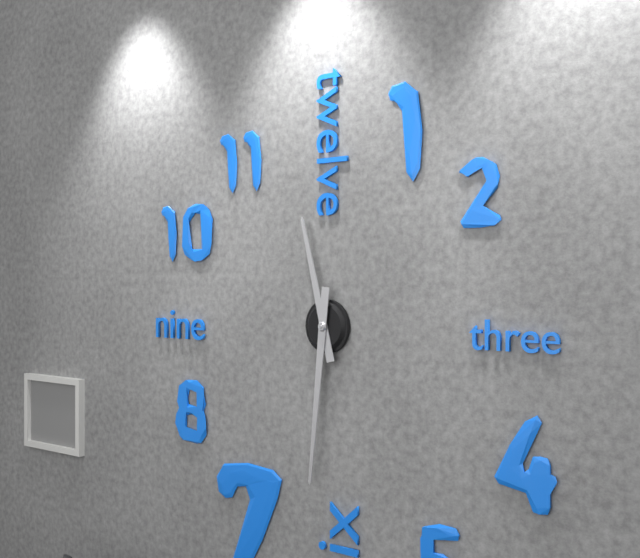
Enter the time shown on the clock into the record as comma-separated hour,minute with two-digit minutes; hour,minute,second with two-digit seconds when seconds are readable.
11,31
